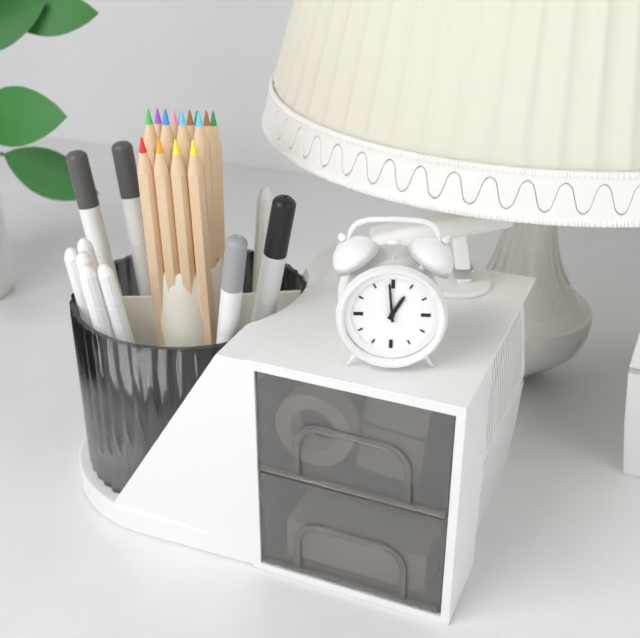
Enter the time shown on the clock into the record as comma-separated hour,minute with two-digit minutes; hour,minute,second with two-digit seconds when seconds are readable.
12,59
